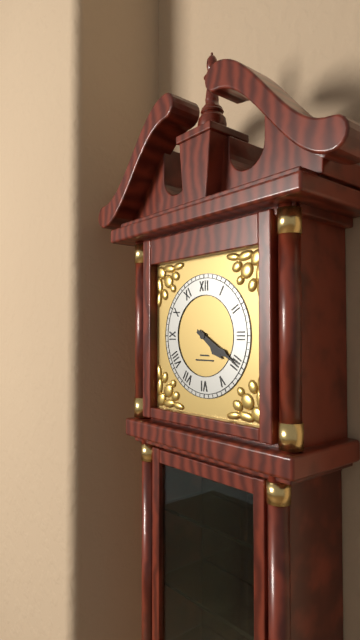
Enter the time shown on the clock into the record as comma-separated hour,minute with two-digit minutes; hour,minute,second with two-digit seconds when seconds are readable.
4,20
